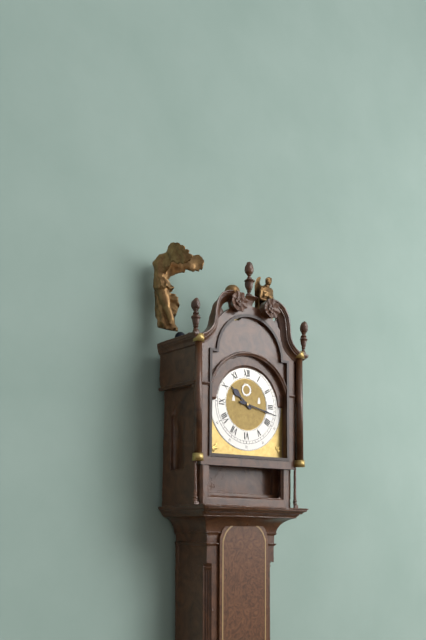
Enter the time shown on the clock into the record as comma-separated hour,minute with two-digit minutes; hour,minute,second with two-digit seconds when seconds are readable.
10,17
